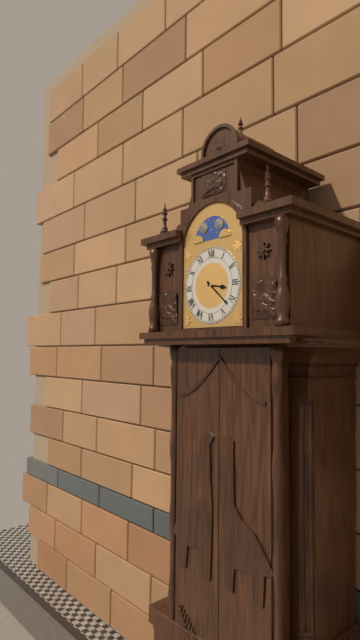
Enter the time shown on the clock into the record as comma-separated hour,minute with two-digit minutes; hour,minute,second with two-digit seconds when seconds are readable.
3,22
